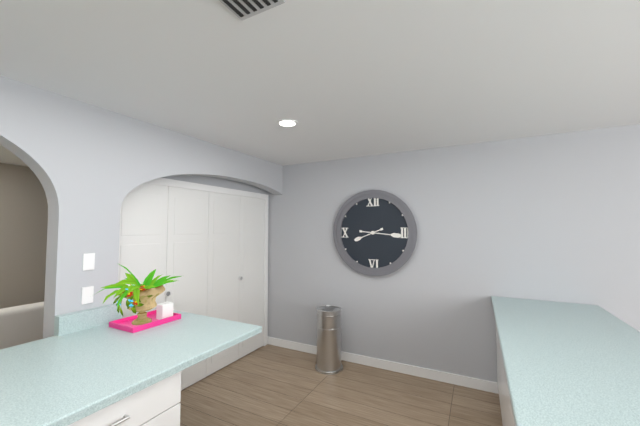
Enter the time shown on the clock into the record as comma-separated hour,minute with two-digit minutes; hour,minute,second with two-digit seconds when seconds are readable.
8,16
